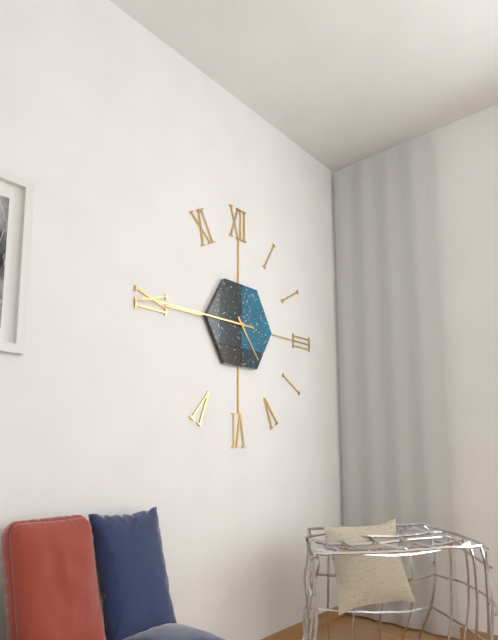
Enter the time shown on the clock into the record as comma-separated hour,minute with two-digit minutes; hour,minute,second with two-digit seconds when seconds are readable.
4,45
